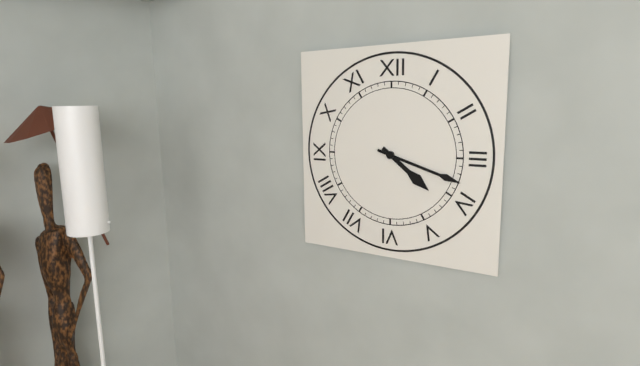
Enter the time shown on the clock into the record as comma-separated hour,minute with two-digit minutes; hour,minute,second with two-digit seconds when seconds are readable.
4,18
